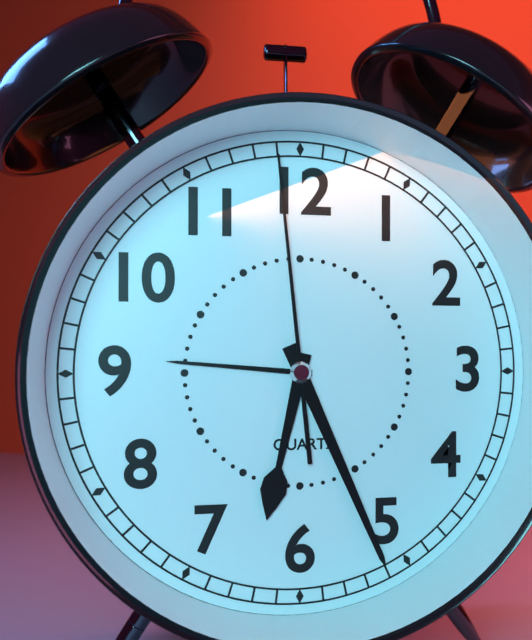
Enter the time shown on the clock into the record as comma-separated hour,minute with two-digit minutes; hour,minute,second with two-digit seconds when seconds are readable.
6,26,59
